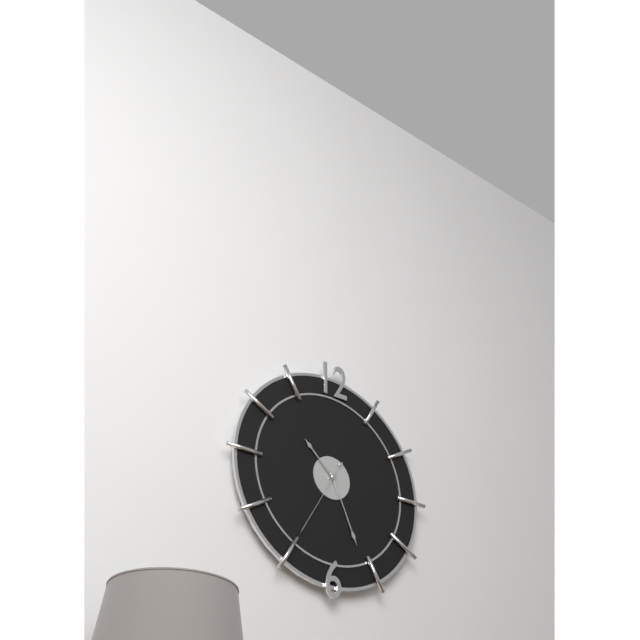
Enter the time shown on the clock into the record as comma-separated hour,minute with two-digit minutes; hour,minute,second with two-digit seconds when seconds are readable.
10,26,35
